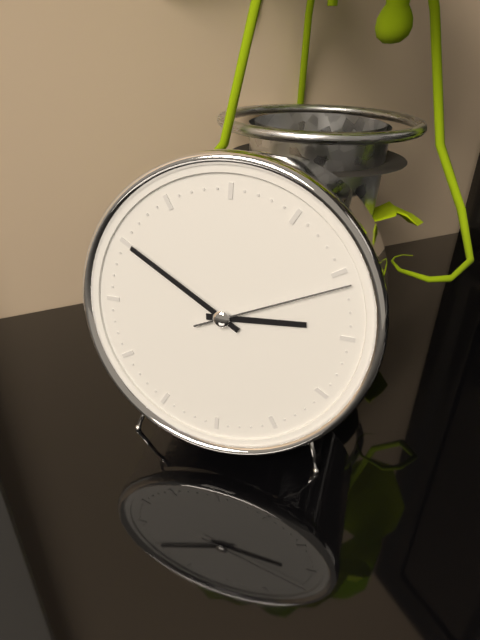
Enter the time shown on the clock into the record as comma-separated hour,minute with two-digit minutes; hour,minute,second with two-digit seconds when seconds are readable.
2,50,11
